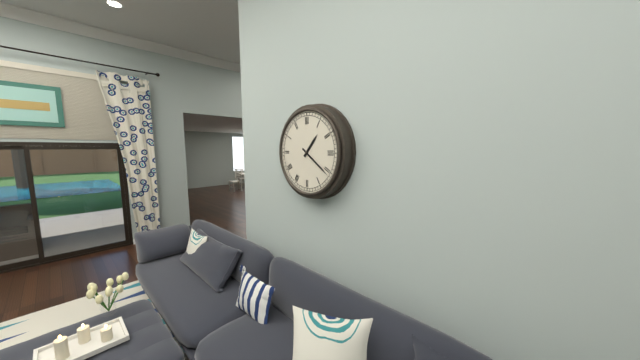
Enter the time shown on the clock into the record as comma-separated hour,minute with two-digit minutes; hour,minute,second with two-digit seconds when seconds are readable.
1,21
